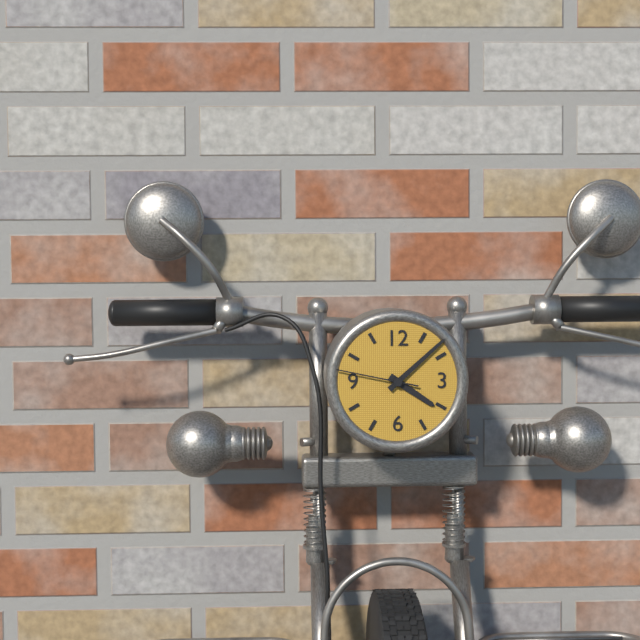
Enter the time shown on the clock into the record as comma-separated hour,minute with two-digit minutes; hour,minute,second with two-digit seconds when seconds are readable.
4,08,47
